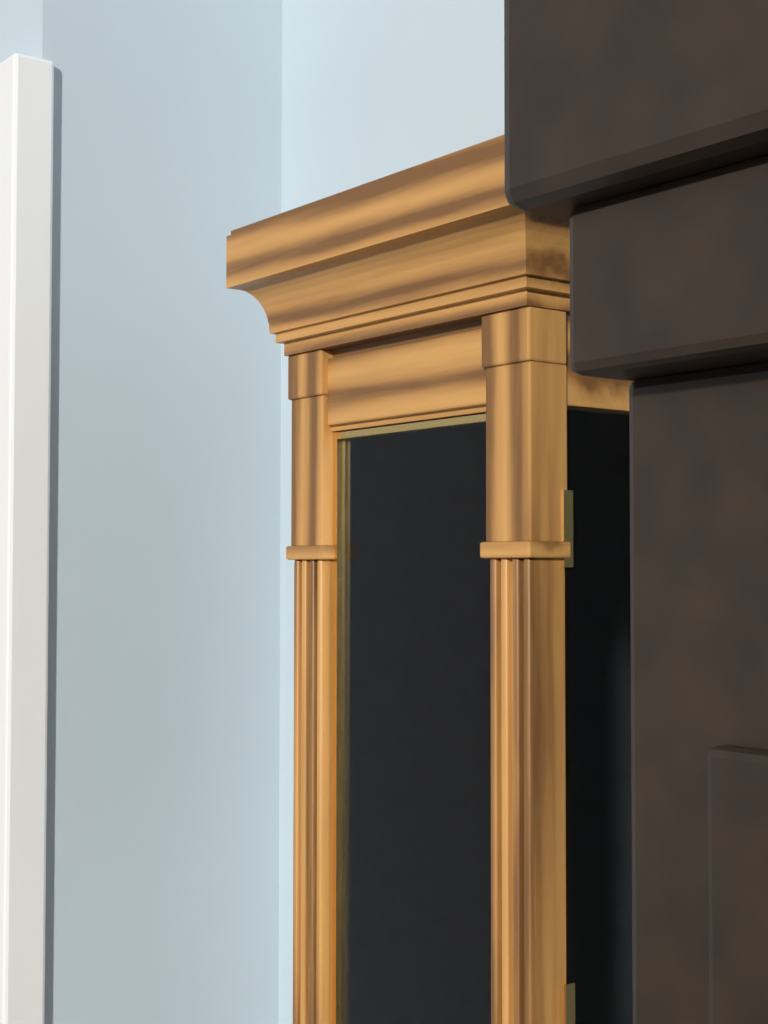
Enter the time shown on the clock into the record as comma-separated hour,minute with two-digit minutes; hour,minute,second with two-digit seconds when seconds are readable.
3,21
